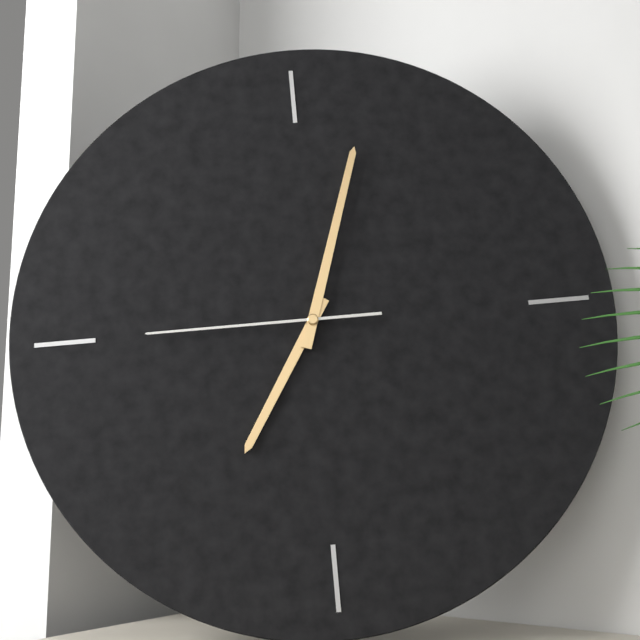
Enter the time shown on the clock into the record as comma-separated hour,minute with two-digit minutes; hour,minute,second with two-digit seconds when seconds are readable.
7,03,45
